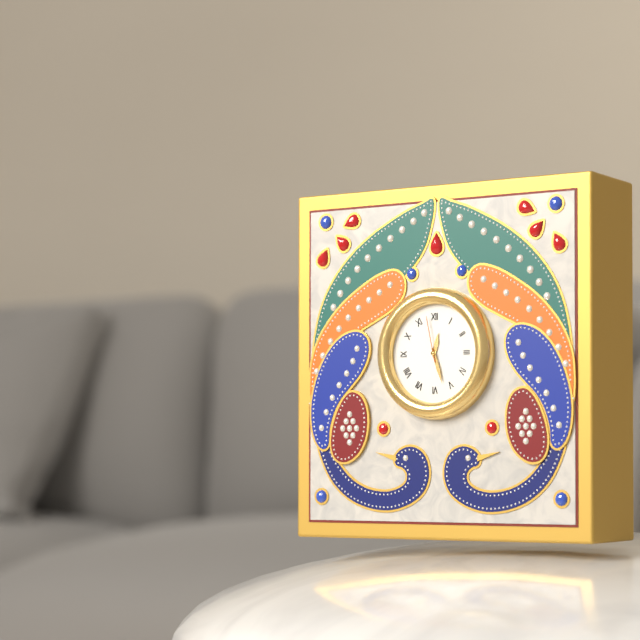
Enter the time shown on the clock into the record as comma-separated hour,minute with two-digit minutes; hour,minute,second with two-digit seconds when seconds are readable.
12,27
